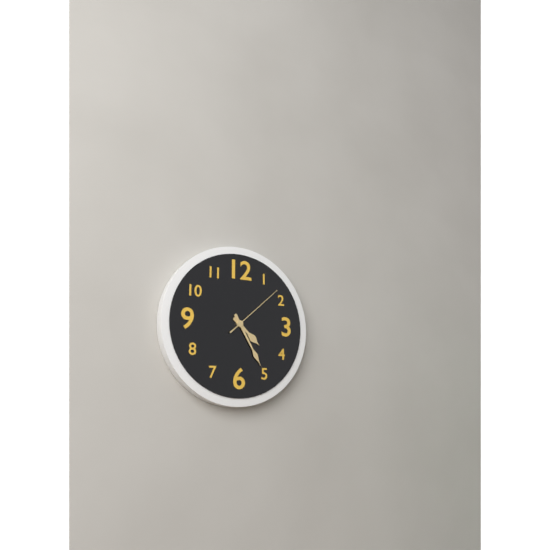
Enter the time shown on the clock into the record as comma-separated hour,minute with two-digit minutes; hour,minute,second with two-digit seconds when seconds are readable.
4,25,08
